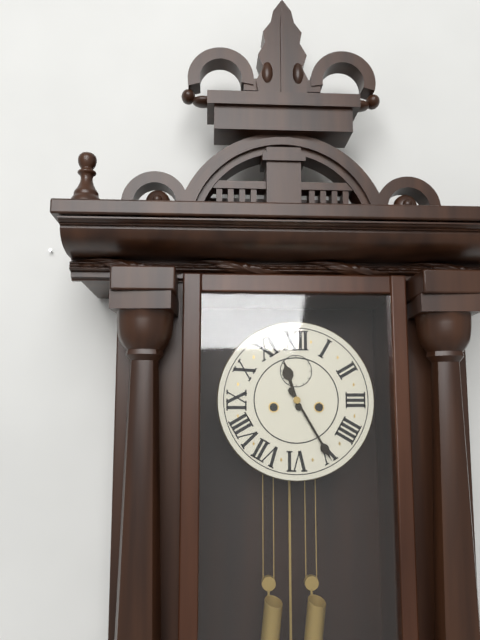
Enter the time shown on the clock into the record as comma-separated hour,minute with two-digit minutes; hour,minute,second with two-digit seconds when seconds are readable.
11,25
